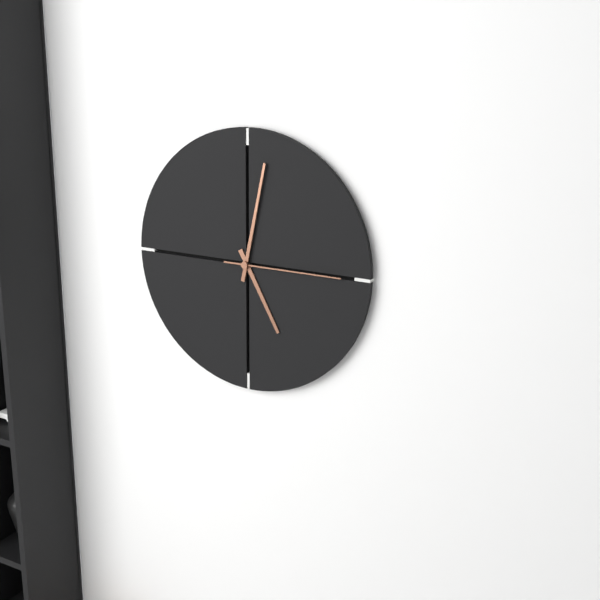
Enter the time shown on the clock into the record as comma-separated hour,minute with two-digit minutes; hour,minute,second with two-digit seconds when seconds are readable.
5,02,15
